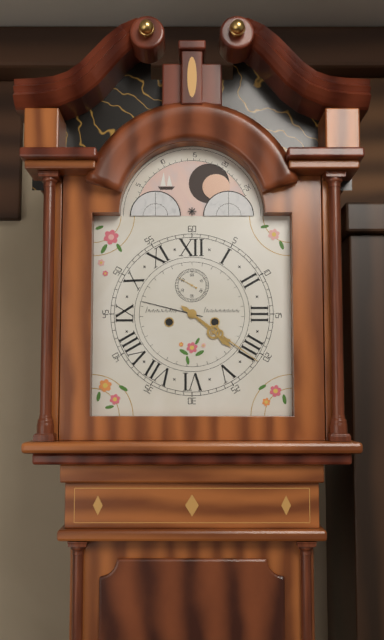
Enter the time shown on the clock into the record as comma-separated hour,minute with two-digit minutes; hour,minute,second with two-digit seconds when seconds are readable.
4,21
